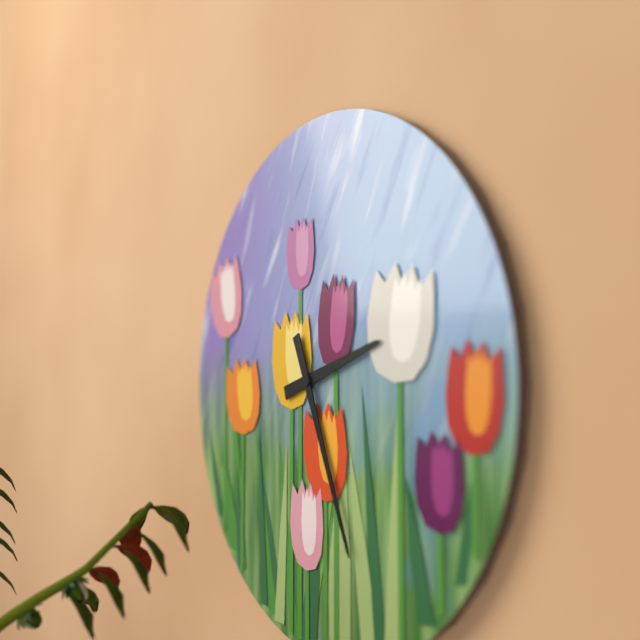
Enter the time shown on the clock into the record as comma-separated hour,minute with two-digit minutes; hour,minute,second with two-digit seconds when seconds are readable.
2,26
